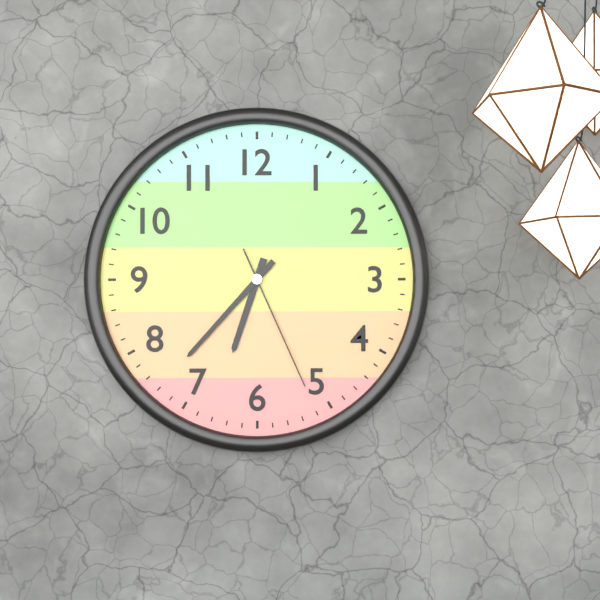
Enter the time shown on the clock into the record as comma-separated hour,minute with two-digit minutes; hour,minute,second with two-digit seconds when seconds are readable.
6,37,26
